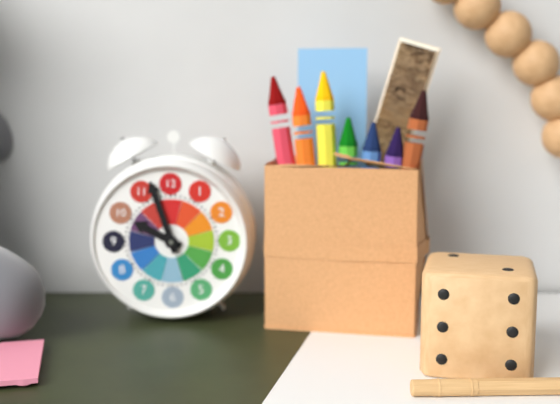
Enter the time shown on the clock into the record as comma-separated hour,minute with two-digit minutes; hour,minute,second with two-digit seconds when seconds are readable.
9,57
